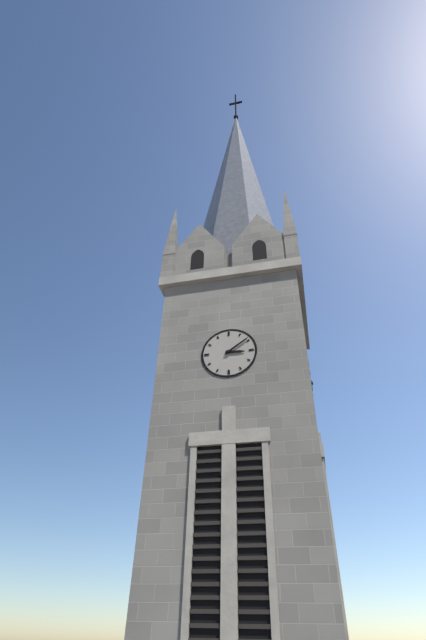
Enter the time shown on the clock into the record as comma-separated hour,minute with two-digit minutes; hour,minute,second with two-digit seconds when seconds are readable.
3,09
